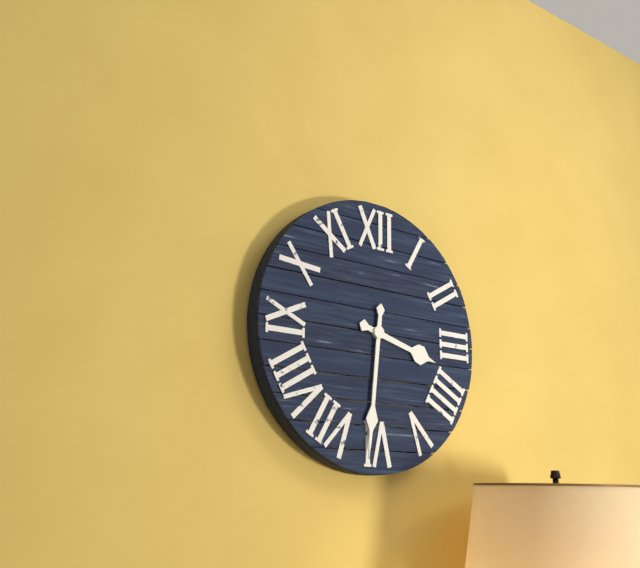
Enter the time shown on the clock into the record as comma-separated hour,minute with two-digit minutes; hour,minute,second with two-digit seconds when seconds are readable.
3,31
